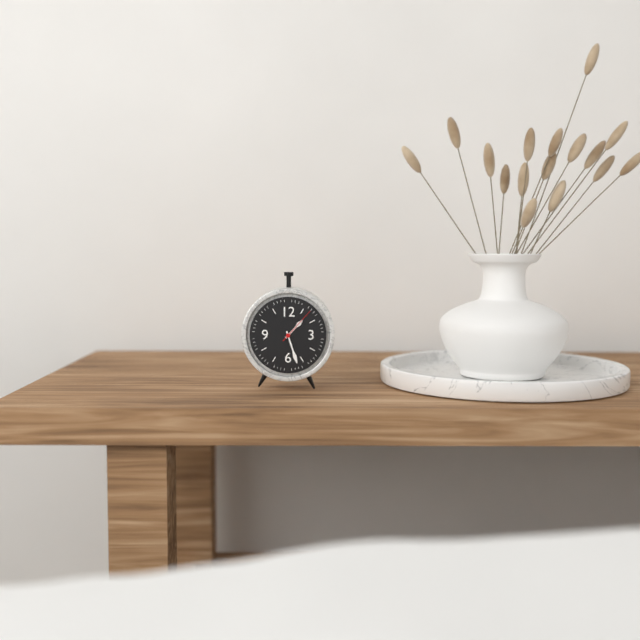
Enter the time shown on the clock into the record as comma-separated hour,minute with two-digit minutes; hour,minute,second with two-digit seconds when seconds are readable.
1,27
